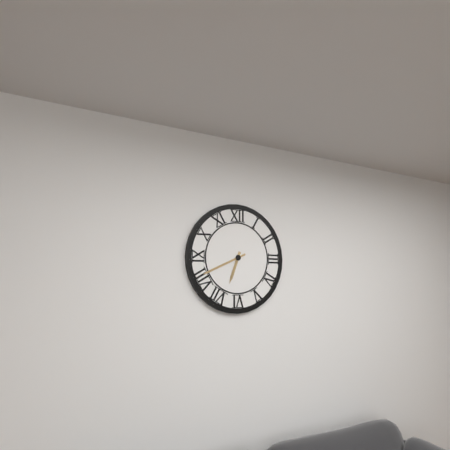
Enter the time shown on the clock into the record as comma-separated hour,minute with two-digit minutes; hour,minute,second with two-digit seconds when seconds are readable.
6,41
